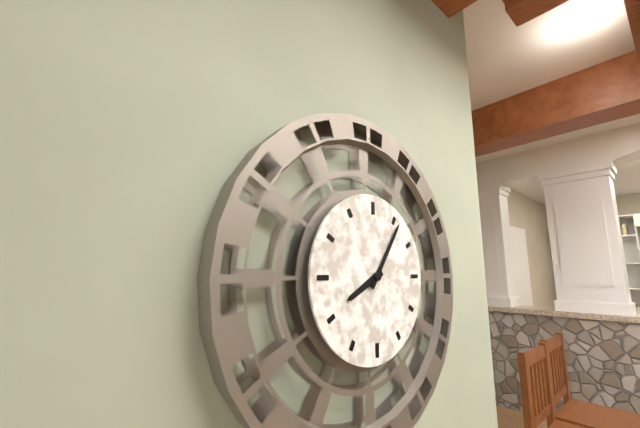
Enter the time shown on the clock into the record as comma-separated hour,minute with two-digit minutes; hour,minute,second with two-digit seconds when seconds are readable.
8,06
